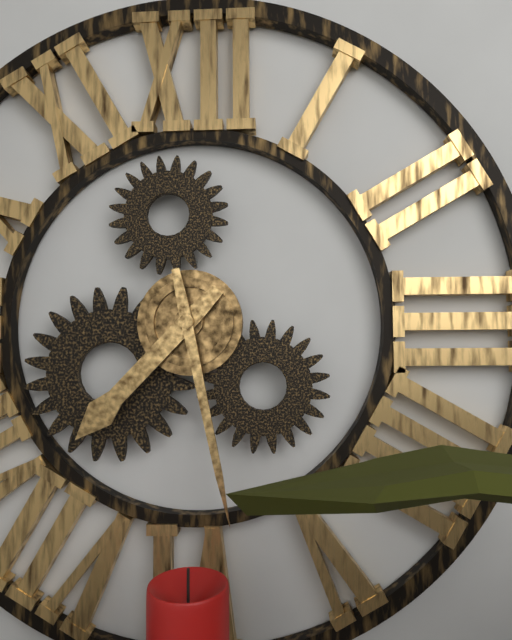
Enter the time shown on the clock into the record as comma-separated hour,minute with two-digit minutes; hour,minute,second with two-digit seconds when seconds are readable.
7,28
